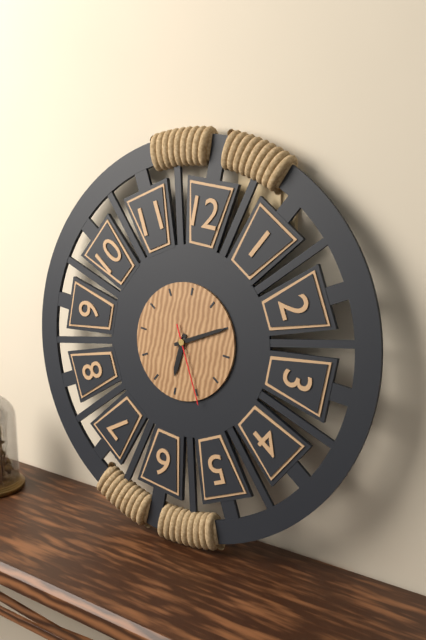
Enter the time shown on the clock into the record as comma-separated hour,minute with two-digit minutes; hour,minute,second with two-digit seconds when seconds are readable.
6,10,25
